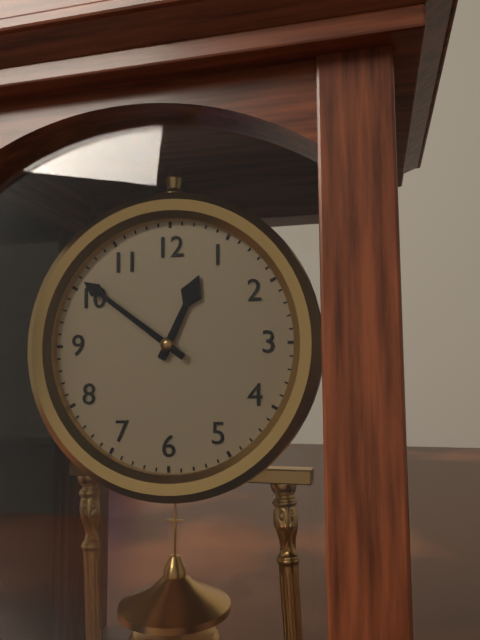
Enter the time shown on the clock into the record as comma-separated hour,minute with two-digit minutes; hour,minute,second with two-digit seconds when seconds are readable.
12,51
